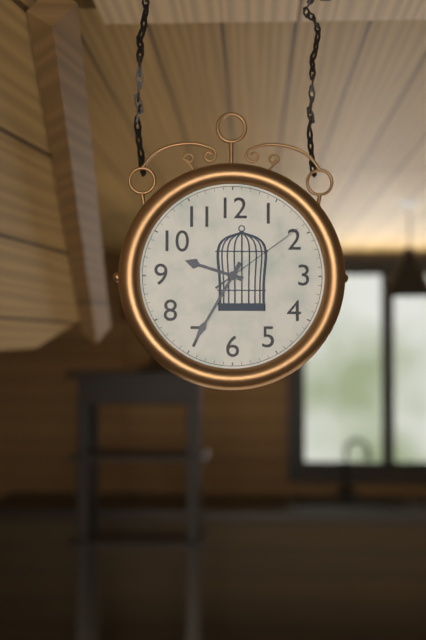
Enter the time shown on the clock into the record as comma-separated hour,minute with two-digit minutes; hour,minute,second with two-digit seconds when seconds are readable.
9,35,09
